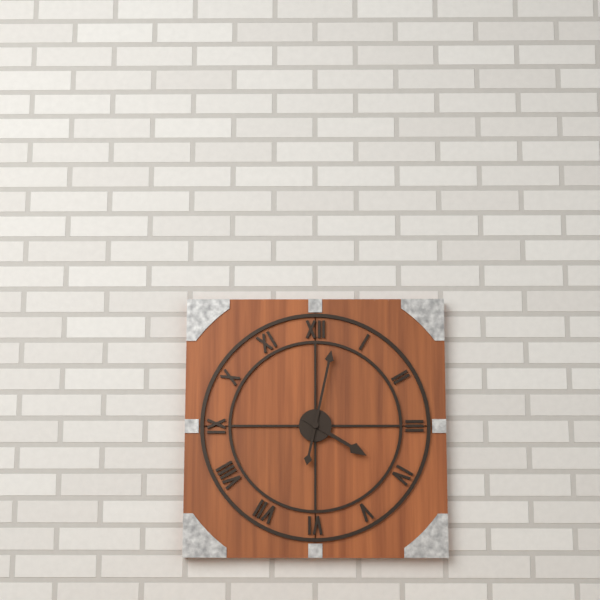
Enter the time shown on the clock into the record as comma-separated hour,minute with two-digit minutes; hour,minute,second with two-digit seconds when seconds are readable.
4,02
